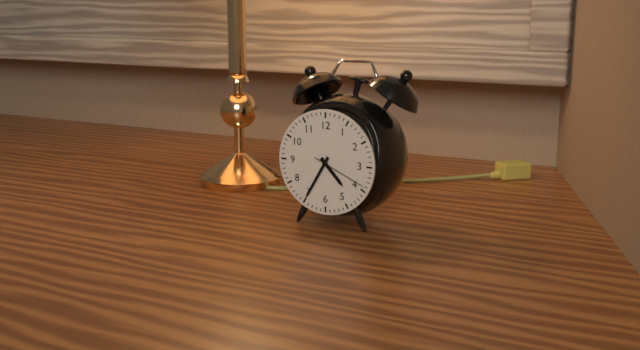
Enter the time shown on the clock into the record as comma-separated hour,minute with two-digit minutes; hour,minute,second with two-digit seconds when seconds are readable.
4,35,19
